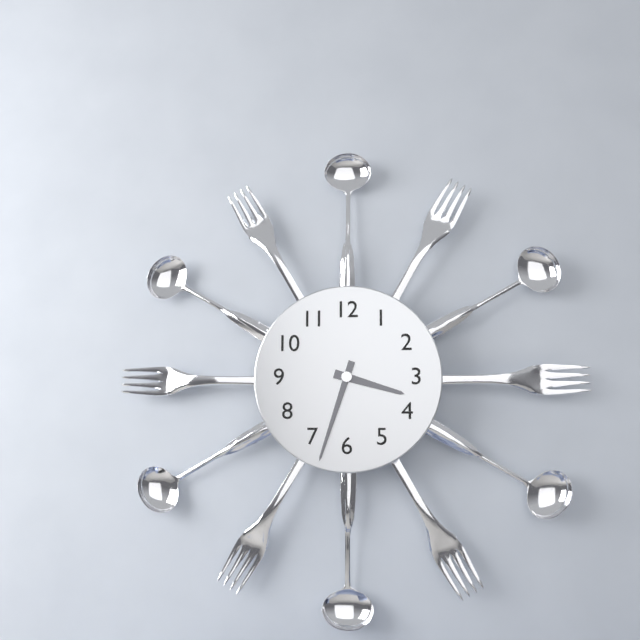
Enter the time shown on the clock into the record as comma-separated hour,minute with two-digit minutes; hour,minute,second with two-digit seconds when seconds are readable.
3,33
